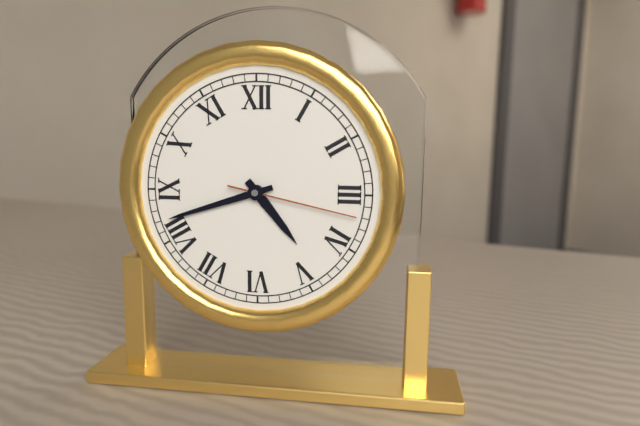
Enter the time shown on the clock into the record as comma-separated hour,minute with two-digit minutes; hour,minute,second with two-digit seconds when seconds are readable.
4,42,17
